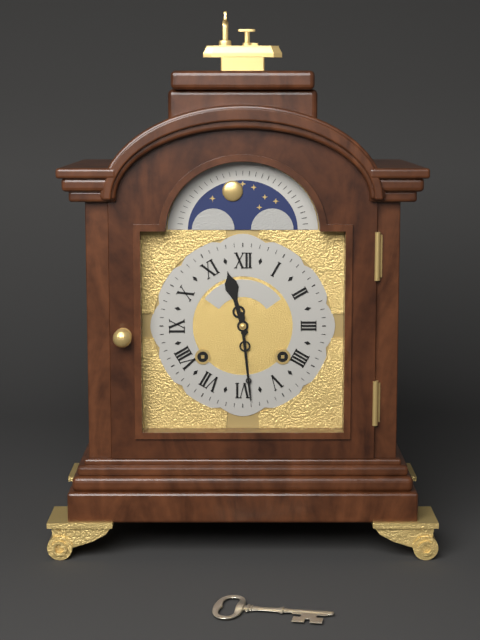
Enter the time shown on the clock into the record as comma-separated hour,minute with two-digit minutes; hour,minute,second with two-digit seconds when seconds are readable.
11,29
